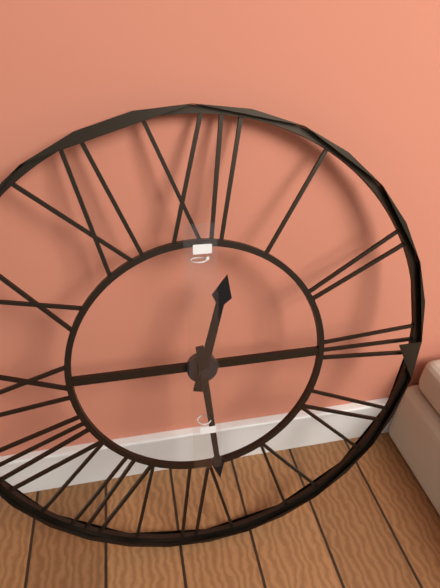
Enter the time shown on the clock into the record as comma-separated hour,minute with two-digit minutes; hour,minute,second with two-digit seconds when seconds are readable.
12,29
